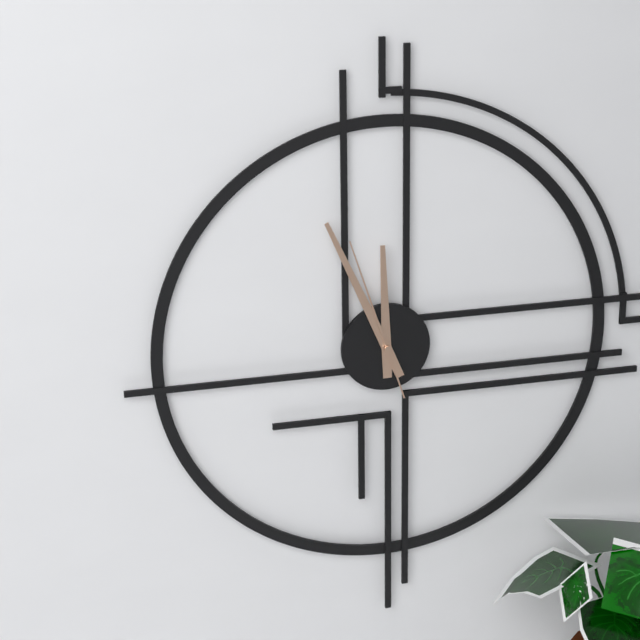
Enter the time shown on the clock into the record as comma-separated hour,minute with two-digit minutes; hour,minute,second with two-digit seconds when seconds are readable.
11,56,57
